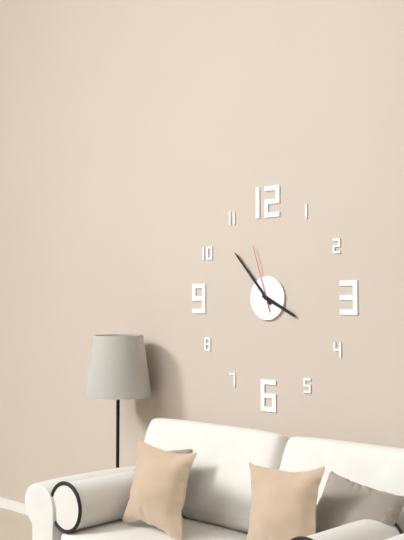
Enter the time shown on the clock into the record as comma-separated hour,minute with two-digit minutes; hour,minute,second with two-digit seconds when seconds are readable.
3,53,57
